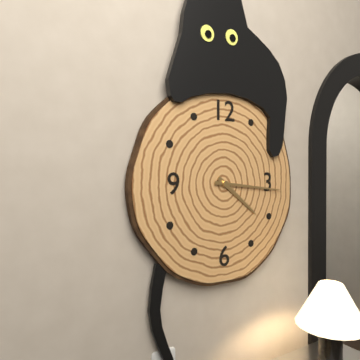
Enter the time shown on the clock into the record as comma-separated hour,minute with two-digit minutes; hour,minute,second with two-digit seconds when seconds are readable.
4,16
